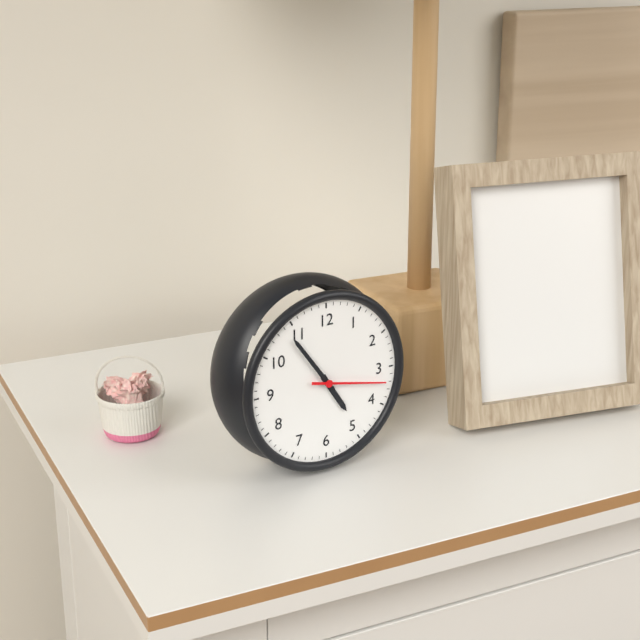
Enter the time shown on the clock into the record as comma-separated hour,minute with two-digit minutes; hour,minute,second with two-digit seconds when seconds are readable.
4,54,17
